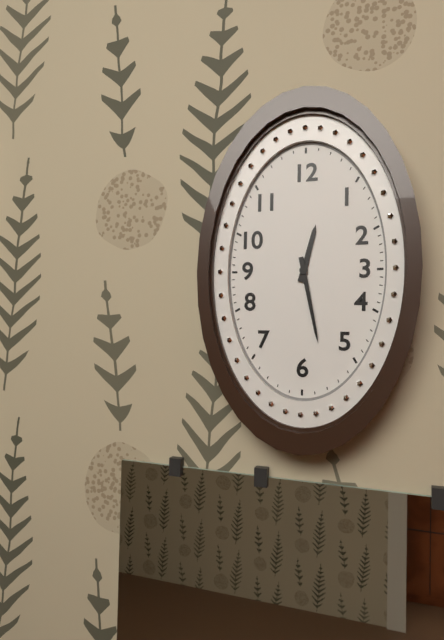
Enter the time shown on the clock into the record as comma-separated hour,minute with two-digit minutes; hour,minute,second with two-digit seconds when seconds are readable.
12,28
